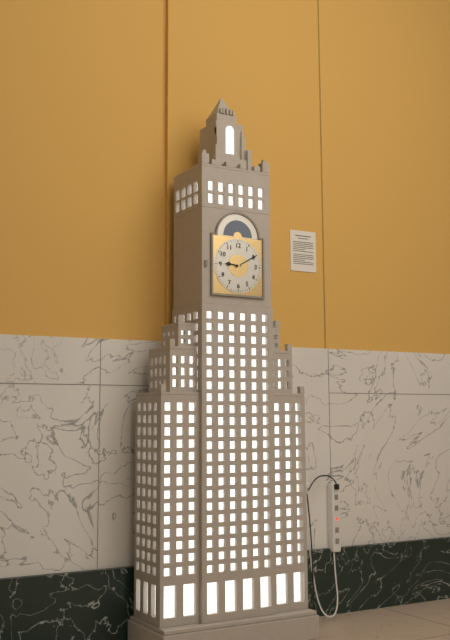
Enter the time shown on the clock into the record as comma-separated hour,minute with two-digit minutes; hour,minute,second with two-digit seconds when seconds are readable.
9,10
